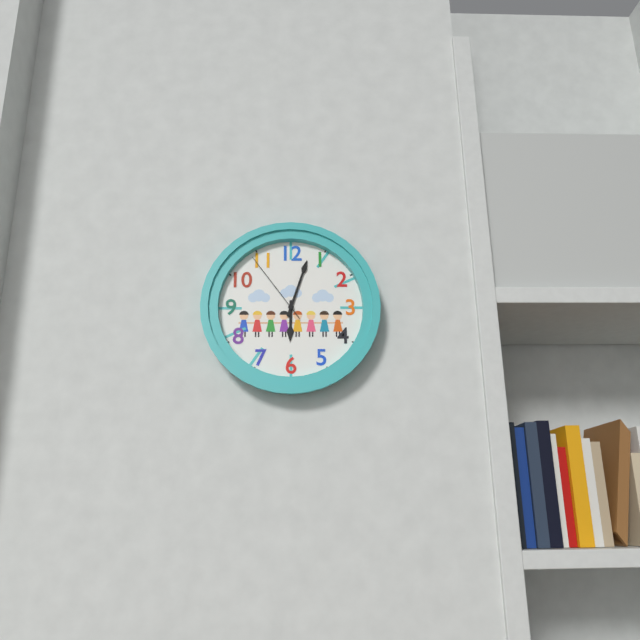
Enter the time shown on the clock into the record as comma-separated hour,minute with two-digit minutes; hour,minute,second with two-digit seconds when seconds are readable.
6,03,54
